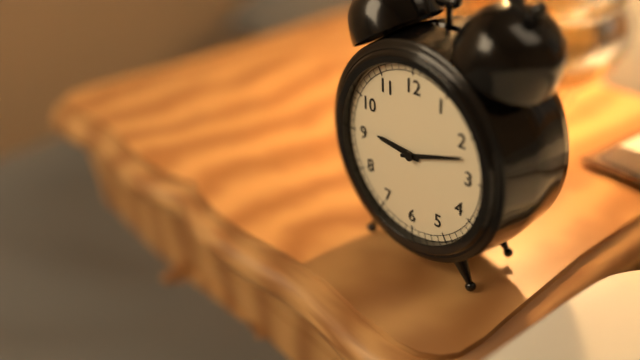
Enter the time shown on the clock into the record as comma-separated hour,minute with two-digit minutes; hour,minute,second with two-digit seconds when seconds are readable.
9,12
